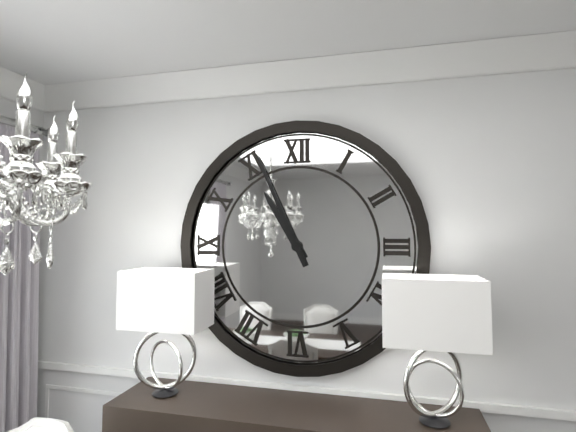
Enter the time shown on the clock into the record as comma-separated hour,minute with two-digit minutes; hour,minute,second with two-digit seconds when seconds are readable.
10,56
